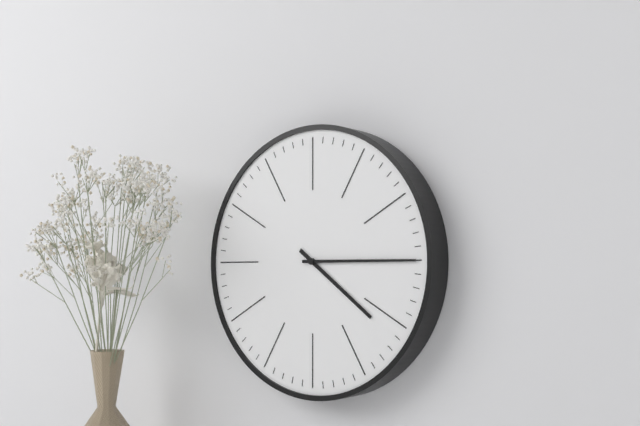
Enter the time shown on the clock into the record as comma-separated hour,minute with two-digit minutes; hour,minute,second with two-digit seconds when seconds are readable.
4,15
